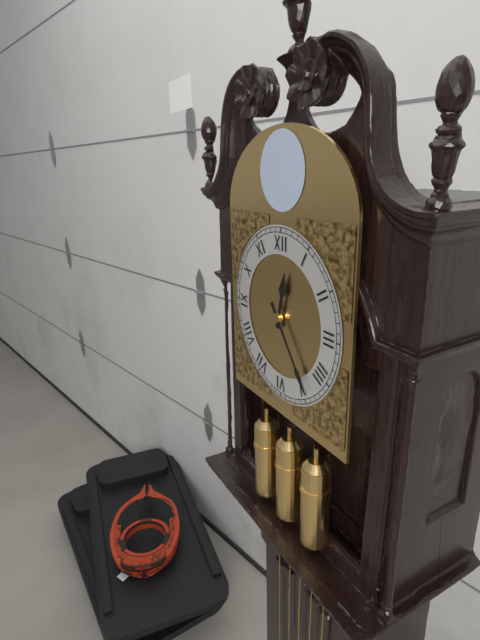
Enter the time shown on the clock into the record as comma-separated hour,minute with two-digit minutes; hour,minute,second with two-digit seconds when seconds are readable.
12,24
